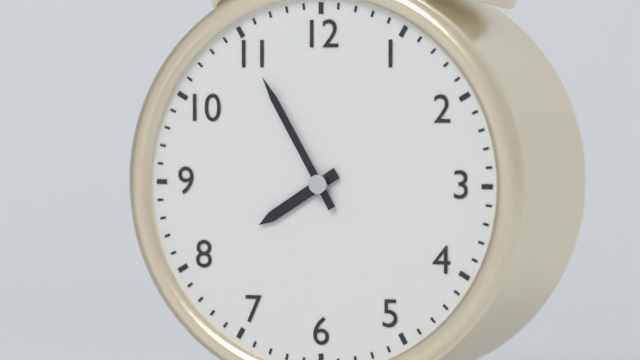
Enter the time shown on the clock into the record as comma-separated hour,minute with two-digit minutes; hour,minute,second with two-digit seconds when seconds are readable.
7,55
